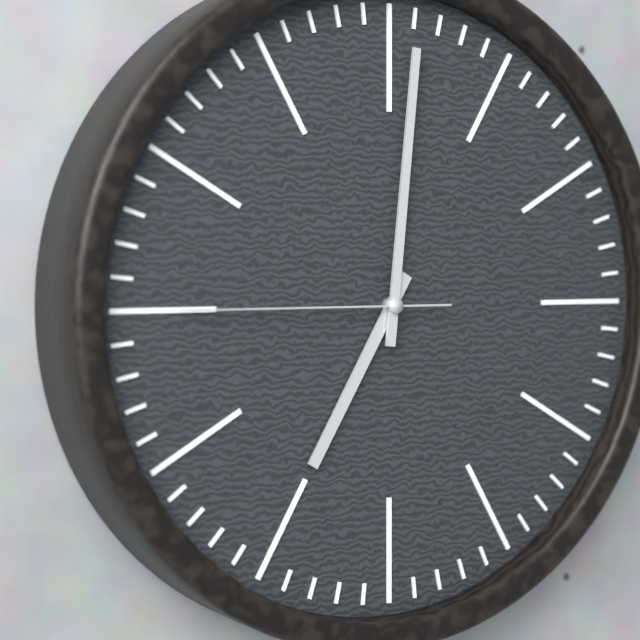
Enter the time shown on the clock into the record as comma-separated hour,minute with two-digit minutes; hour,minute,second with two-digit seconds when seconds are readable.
7,01,45
